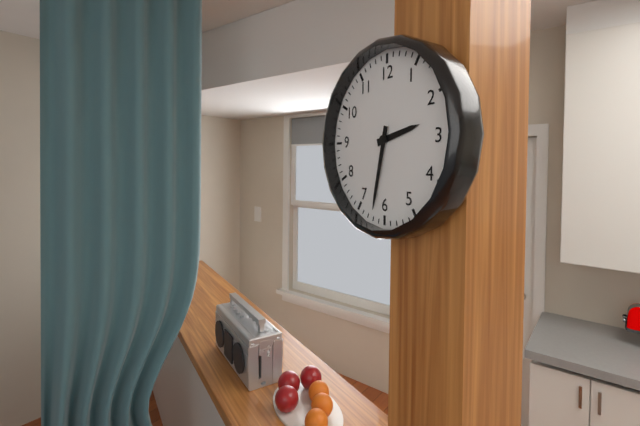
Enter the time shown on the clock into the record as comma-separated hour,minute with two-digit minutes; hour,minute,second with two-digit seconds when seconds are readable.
2,32
